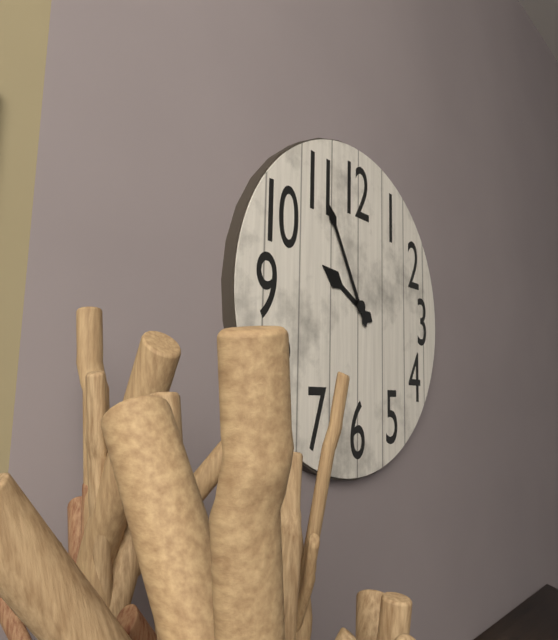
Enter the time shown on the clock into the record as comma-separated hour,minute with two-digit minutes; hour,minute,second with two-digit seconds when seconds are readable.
9,55
